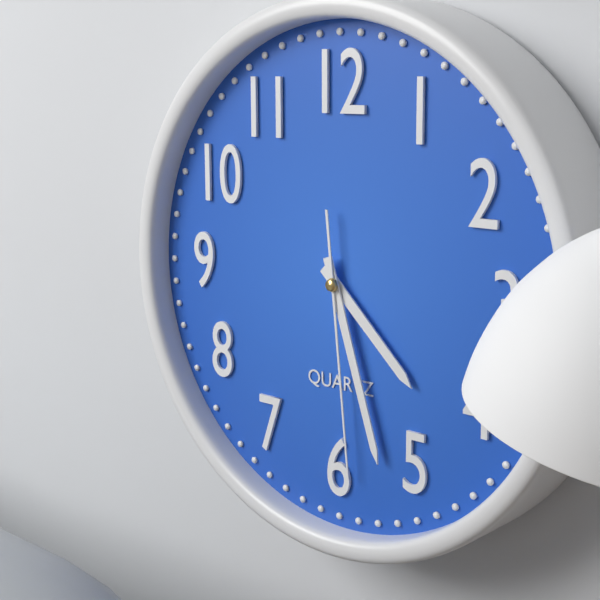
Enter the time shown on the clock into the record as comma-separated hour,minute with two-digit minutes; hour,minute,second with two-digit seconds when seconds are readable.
4,27,29
